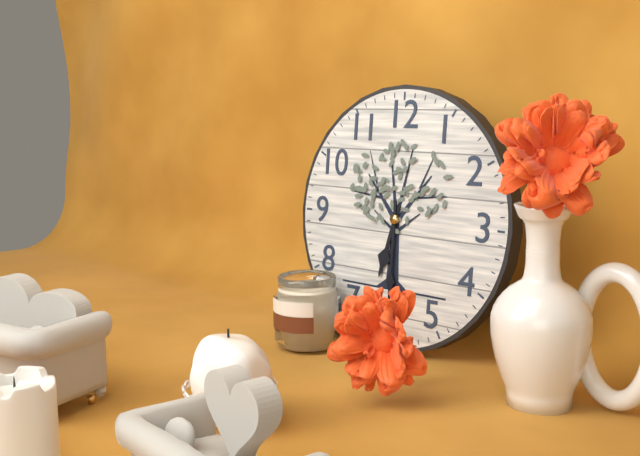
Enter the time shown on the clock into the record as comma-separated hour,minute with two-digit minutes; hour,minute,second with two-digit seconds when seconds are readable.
6,30
